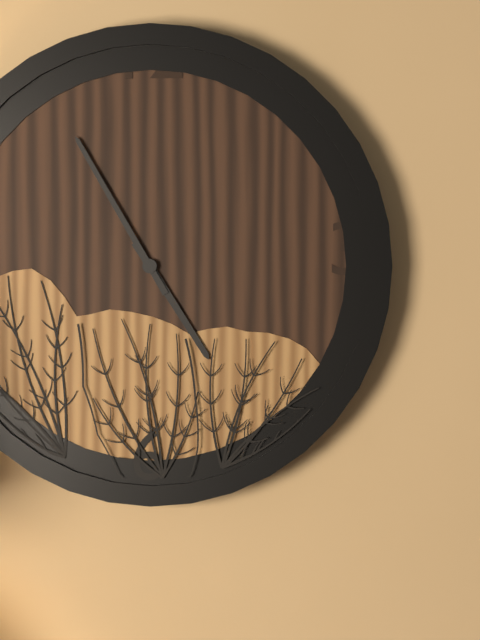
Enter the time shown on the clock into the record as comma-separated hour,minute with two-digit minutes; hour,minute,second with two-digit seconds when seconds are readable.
4,55
